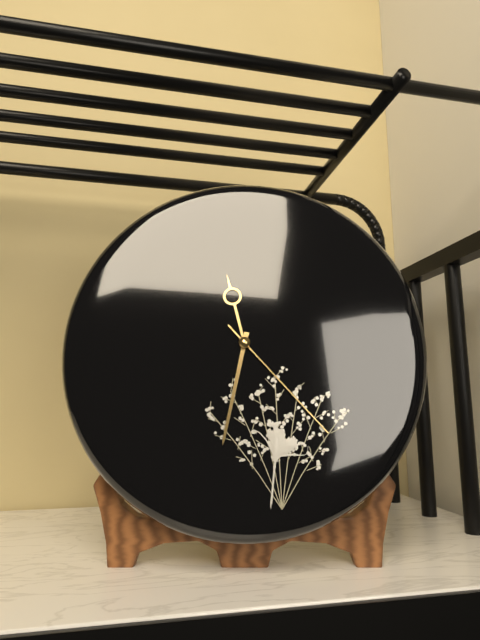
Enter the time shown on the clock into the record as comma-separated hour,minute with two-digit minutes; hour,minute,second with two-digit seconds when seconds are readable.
11,32,23
